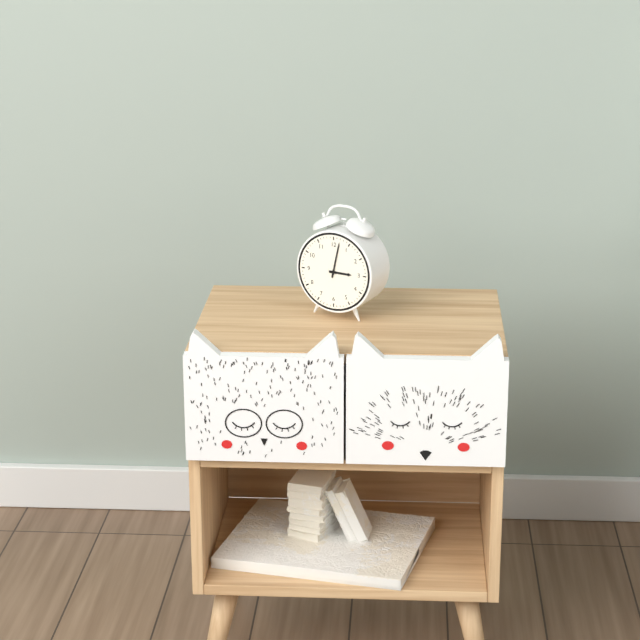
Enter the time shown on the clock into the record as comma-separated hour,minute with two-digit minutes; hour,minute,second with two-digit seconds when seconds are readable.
3,02
